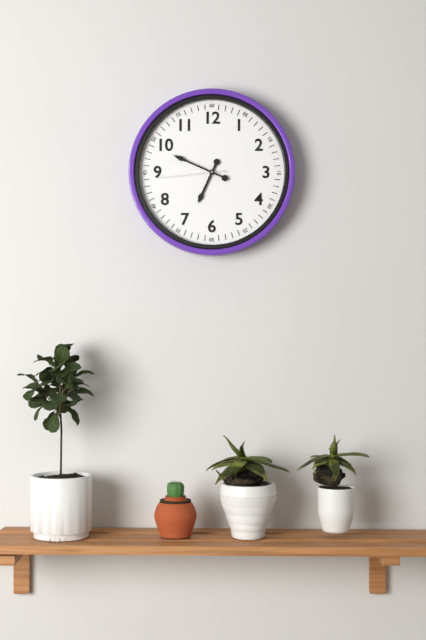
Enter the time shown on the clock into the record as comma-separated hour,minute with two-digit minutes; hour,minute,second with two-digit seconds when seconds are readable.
6,49,44
